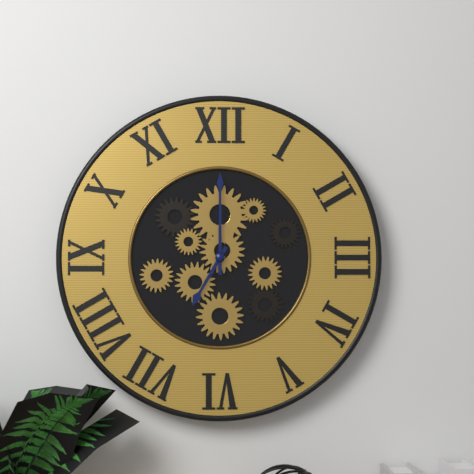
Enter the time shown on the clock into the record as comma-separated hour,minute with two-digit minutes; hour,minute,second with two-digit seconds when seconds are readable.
7,00
